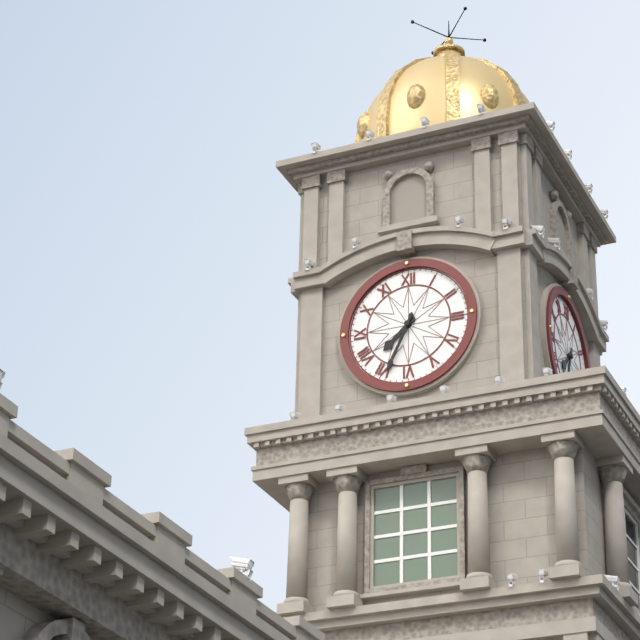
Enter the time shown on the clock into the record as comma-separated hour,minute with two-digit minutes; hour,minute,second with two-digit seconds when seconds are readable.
7,34
